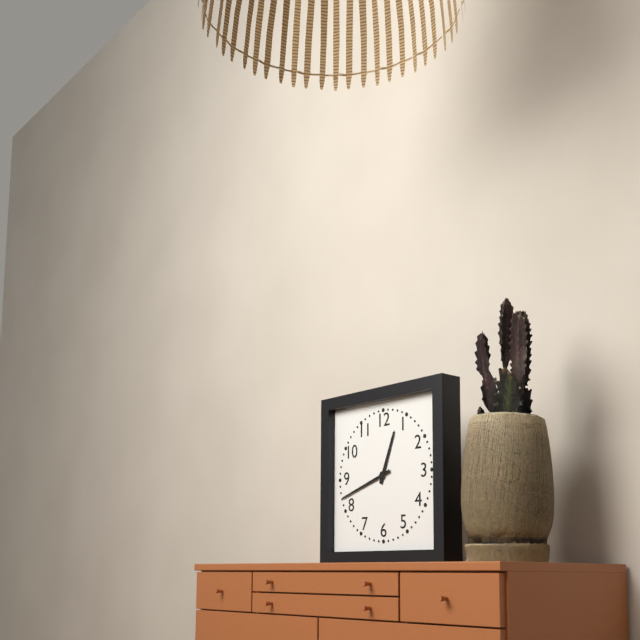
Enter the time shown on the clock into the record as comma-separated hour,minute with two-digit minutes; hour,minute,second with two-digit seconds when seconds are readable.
12,42
